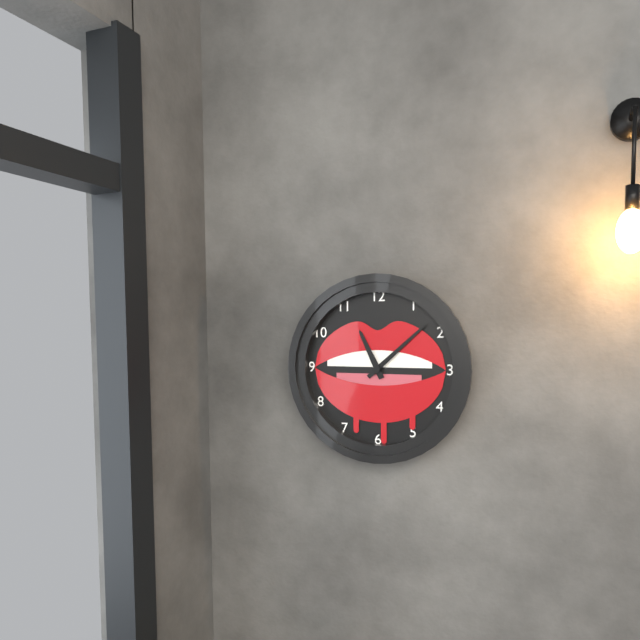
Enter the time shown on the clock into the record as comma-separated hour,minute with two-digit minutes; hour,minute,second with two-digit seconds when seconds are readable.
11,08
